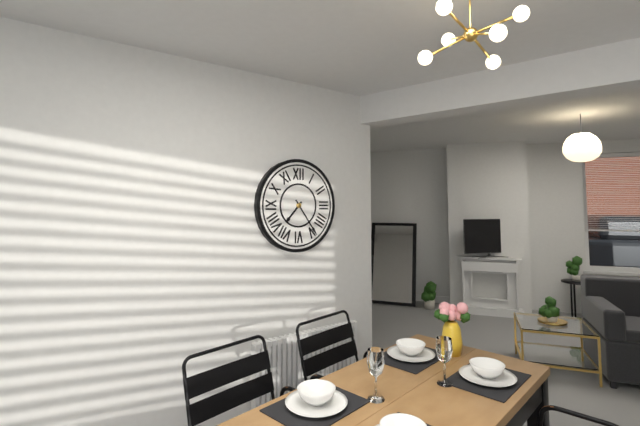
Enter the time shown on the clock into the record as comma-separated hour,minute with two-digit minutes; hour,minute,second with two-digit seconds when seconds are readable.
7,24
